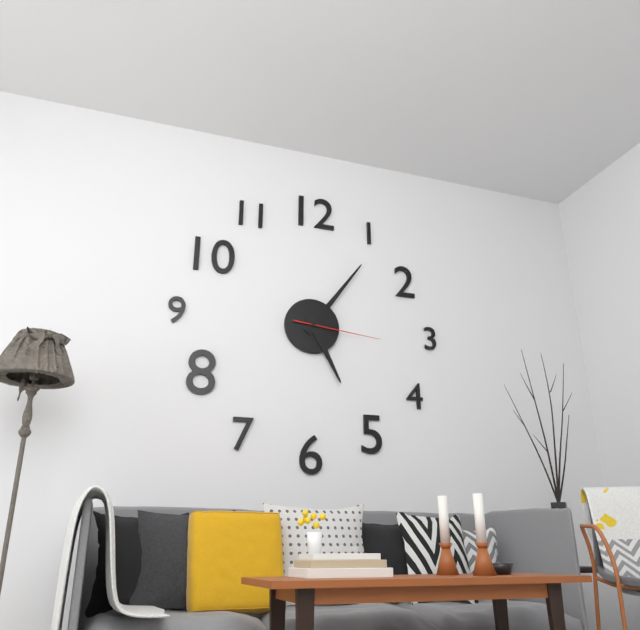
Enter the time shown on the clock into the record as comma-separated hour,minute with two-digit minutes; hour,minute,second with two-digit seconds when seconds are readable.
5,06,16
